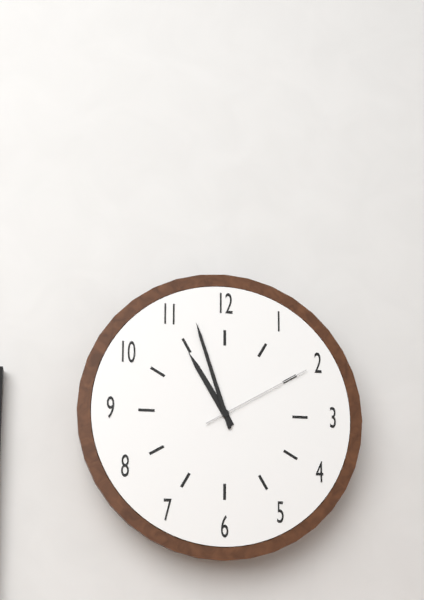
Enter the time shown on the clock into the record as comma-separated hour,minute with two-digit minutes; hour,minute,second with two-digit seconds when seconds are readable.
10,57,10
